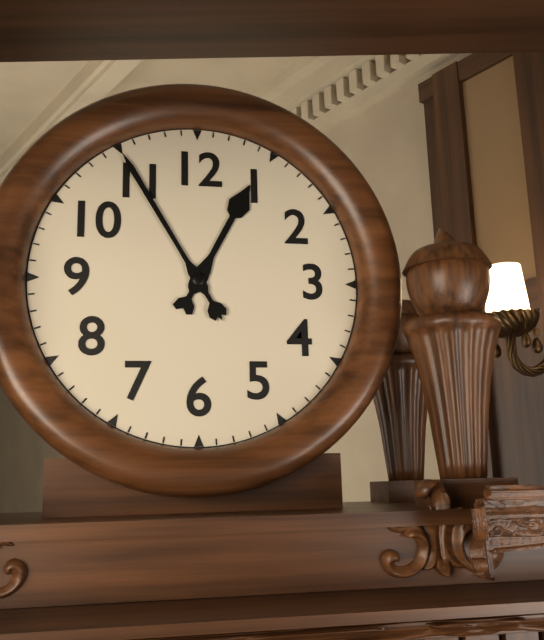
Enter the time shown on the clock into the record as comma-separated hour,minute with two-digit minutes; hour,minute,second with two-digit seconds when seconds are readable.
12,55
